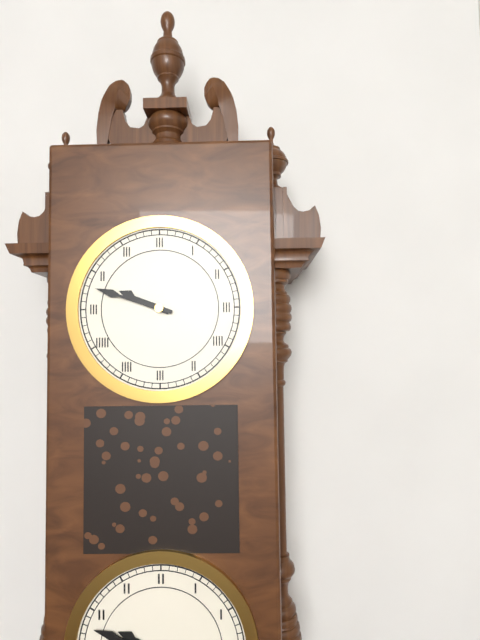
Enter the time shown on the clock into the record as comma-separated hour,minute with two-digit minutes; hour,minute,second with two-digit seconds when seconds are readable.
9,48
